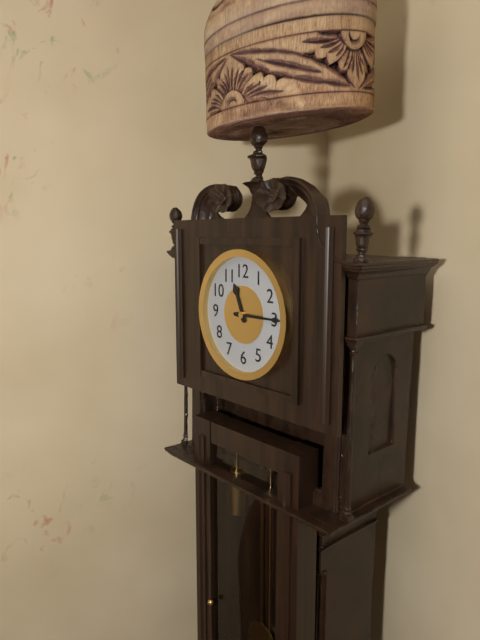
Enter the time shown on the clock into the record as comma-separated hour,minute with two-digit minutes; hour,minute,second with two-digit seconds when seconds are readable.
11,15
